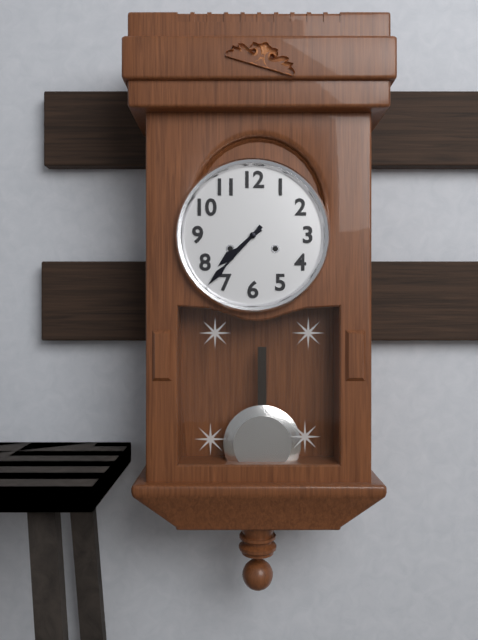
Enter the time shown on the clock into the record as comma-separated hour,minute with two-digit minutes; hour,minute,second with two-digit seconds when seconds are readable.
7,37
